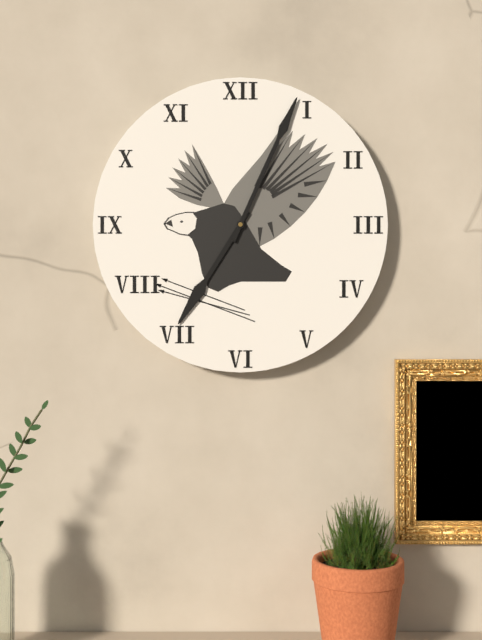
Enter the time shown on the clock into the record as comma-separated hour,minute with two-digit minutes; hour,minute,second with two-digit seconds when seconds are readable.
7,04
